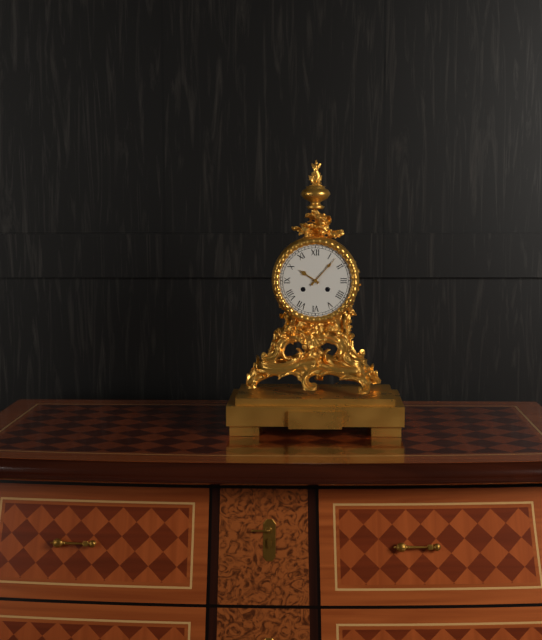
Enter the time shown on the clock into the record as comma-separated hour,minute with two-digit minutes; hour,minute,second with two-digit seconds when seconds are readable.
10,07
